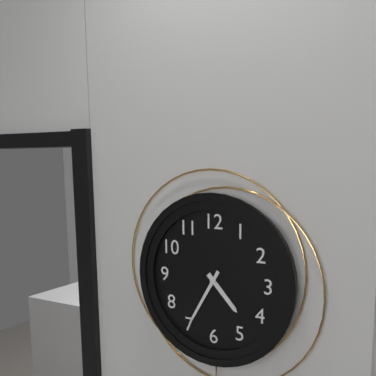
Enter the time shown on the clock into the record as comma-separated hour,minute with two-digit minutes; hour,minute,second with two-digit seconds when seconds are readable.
4,35
